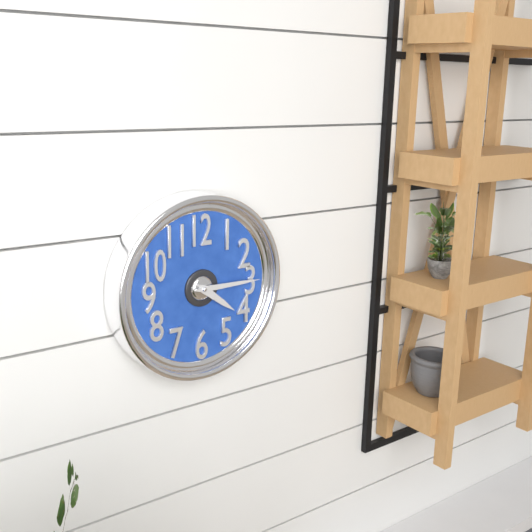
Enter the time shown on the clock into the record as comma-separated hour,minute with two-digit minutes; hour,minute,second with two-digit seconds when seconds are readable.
4,15
